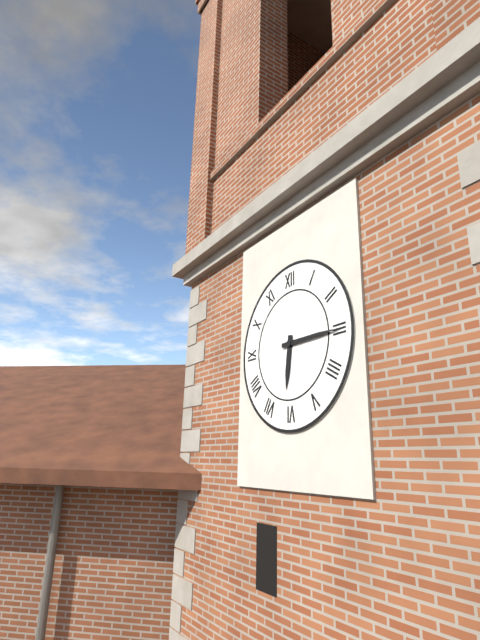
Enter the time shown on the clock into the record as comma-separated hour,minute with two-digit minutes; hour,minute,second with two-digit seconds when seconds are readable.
6,15
